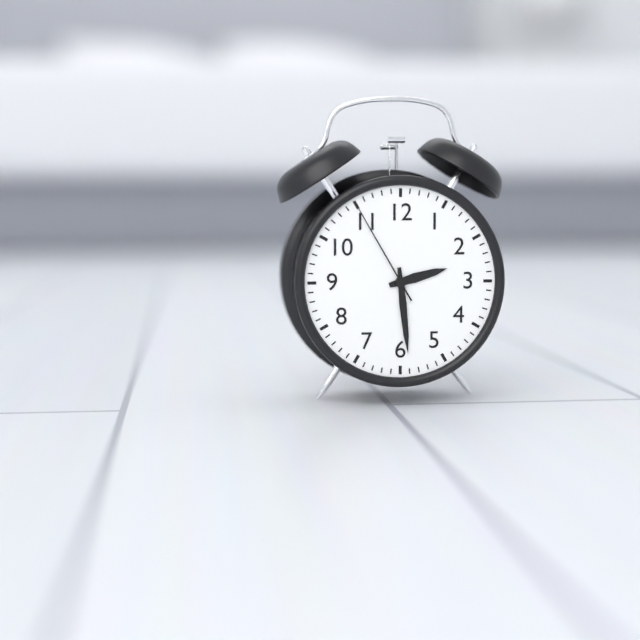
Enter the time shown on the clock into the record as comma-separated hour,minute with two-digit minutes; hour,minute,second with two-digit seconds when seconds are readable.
2,29,55
